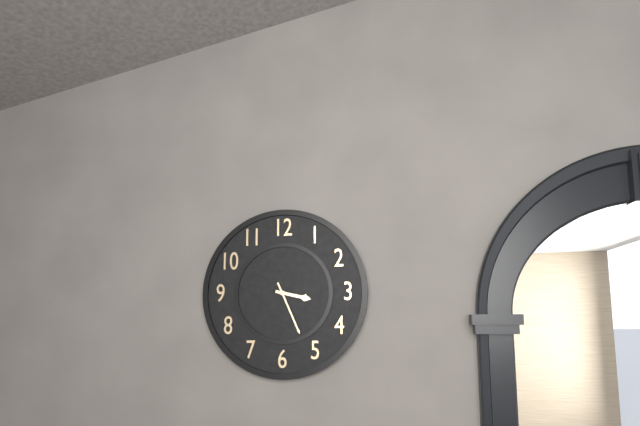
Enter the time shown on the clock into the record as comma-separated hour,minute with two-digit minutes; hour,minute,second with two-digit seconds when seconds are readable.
3,26
